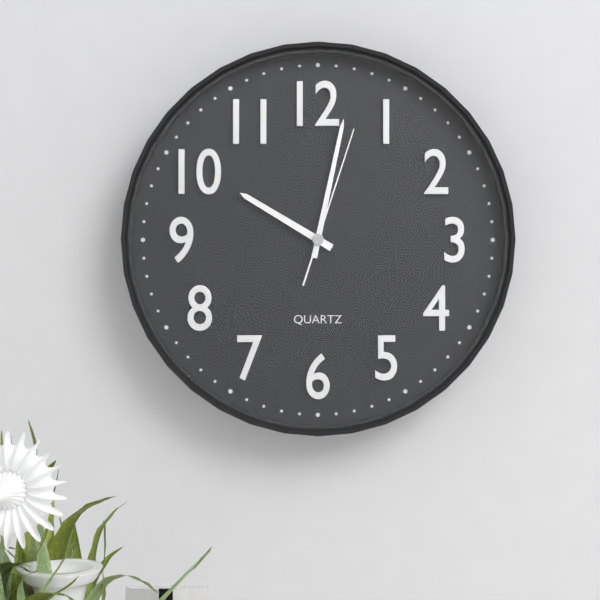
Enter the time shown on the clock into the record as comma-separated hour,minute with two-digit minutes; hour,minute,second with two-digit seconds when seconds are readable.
10,02,03
